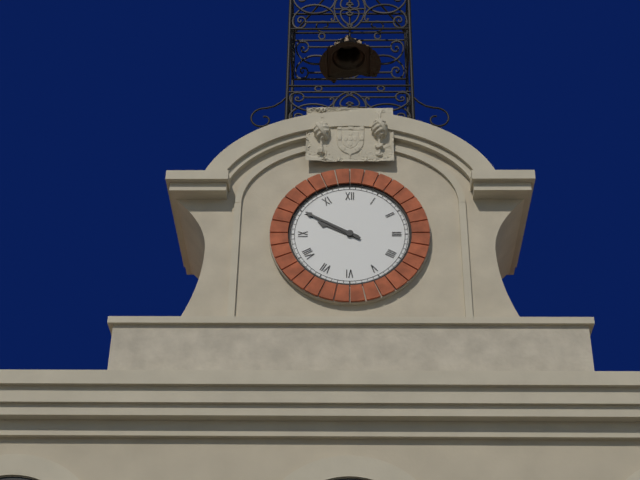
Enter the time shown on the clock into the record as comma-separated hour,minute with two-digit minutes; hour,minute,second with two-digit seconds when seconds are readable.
9,50
